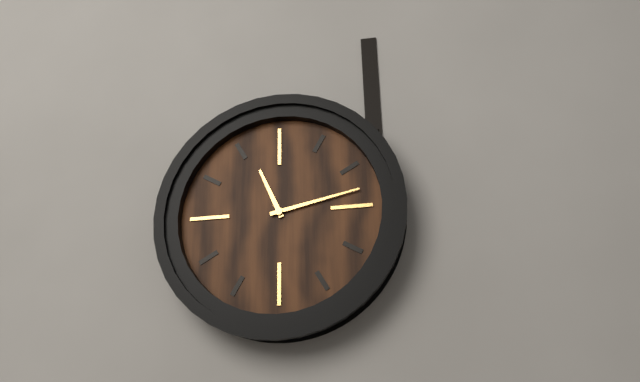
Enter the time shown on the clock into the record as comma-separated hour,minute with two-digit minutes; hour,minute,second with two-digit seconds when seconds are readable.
11,13
